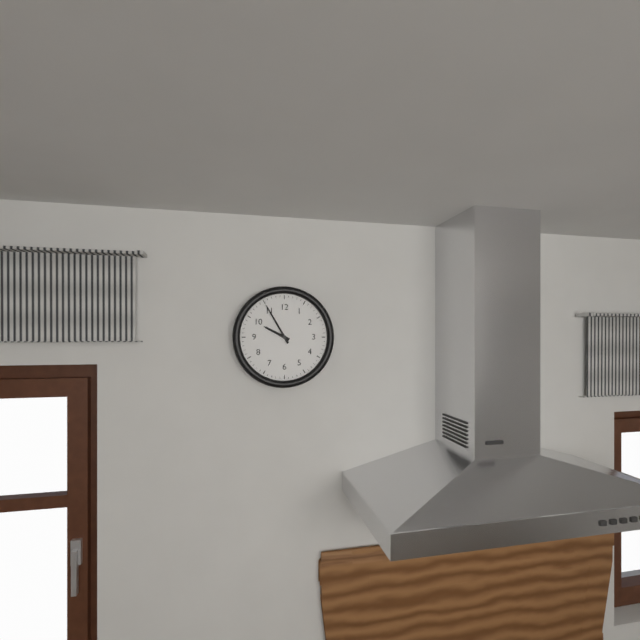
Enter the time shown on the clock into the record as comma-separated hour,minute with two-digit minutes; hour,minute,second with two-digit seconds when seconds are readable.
9,55
